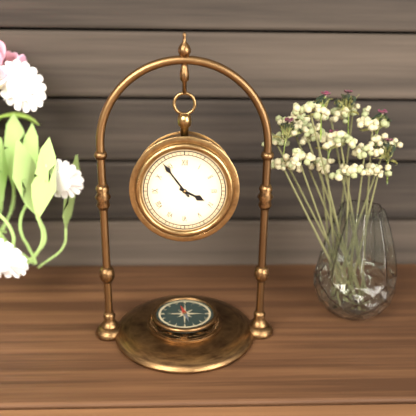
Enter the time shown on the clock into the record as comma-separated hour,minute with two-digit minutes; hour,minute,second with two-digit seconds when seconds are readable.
3,54
